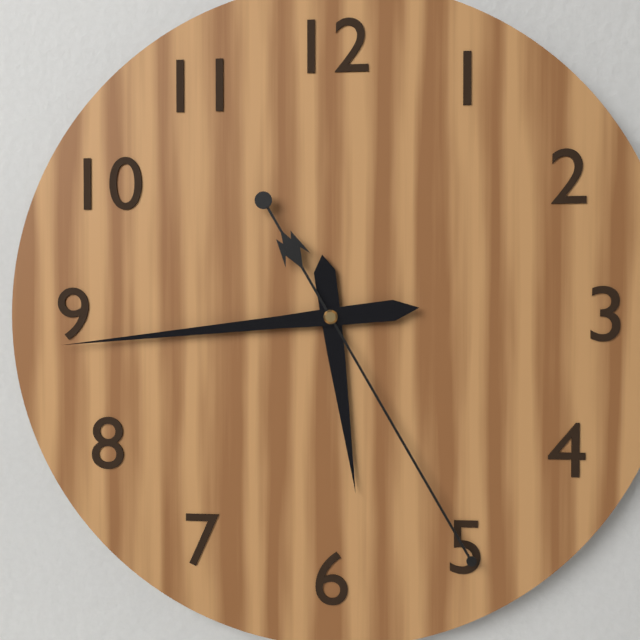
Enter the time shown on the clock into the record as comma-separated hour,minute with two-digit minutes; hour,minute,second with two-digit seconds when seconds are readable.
5,44,25
